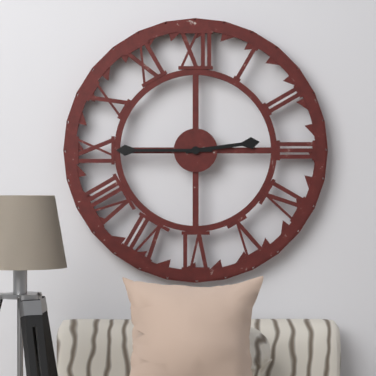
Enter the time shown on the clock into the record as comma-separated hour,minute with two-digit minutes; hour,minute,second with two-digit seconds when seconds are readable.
2,45
